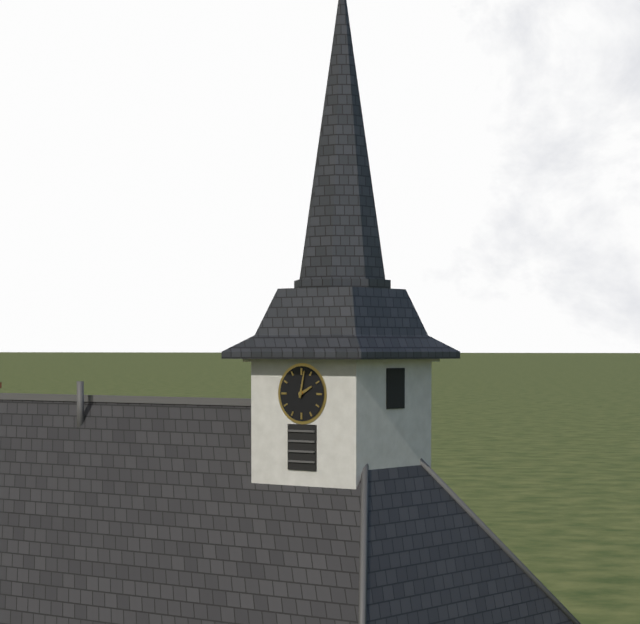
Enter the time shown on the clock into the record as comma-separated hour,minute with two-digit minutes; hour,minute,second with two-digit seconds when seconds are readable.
2,02
